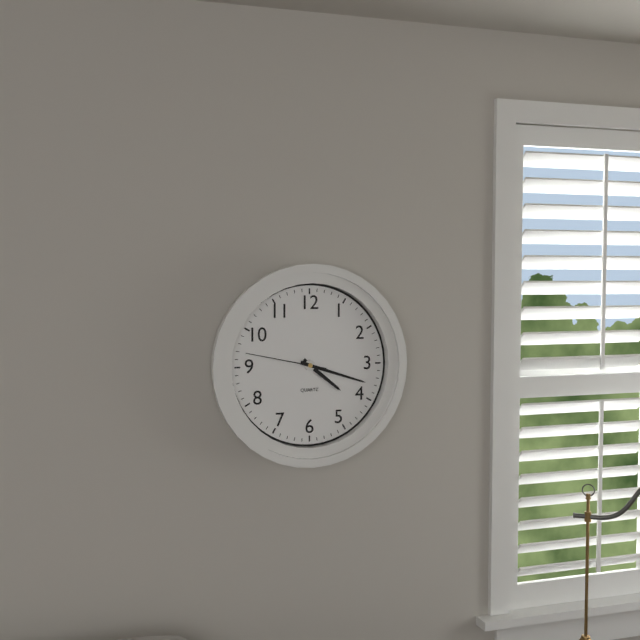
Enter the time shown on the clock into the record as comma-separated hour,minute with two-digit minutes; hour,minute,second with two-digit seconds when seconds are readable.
4,18,47
